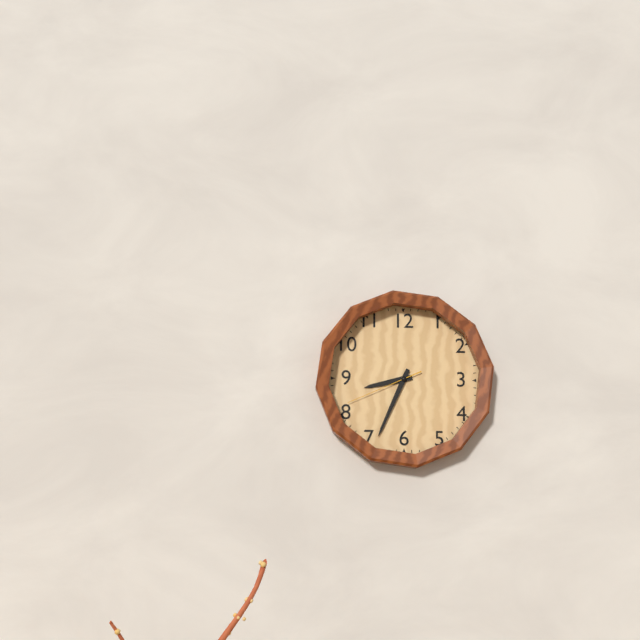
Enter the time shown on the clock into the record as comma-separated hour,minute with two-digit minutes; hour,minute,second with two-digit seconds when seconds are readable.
8,34,41
